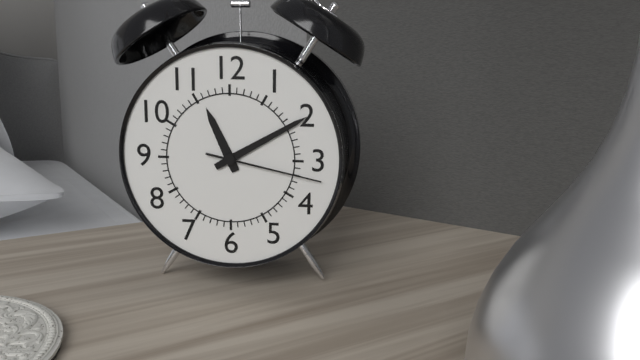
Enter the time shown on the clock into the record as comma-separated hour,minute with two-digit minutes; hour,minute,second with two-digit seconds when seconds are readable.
11,10,17
